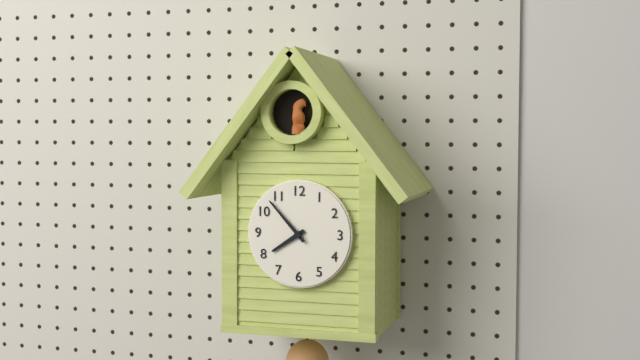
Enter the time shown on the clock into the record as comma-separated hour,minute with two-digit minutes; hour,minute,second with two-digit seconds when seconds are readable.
7,53
